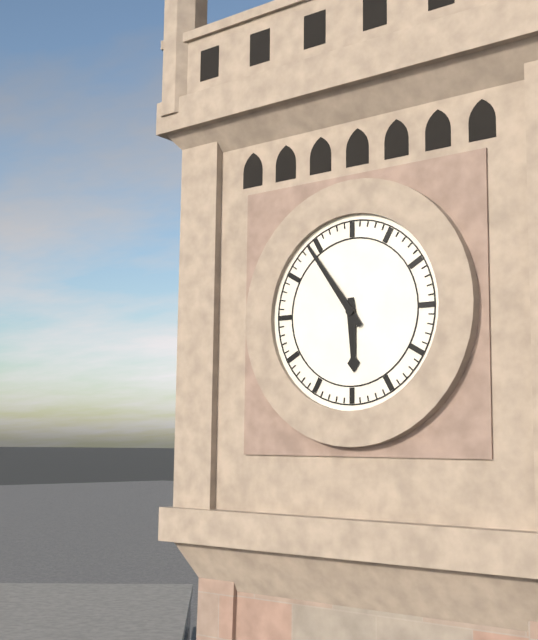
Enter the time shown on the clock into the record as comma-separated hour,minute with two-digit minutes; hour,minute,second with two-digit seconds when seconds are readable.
5,54
